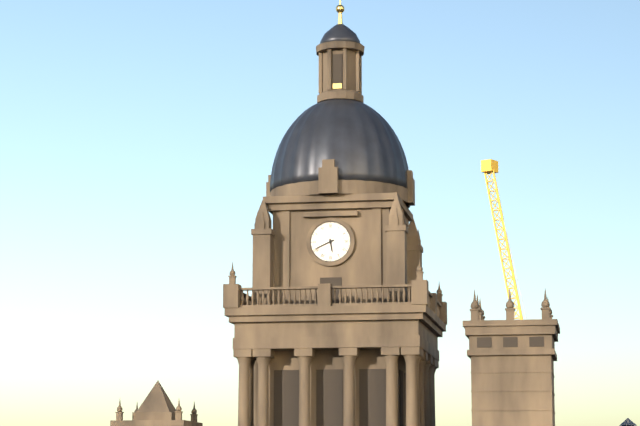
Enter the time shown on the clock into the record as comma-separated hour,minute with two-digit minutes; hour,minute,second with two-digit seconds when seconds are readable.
5,41
